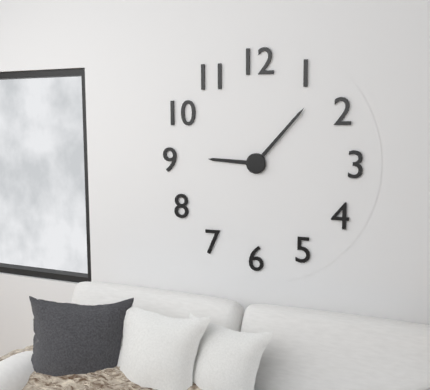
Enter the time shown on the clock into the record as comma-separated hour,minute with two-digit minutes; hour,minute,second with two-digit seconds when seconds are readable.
9,07
